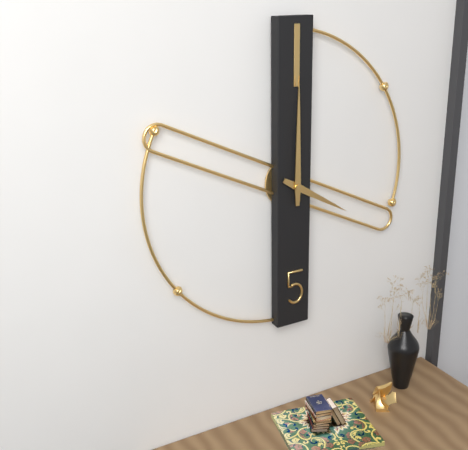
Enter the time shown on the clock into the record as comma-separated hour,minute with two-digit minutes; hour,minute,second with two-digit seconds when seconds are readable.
4,00
